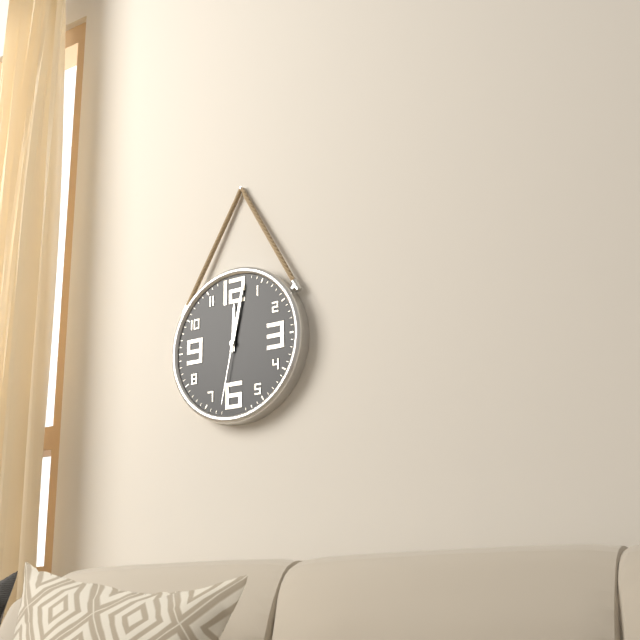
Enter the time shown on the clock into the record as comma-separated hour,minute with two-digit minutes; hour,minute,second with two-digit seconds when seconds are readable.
12,02,32
